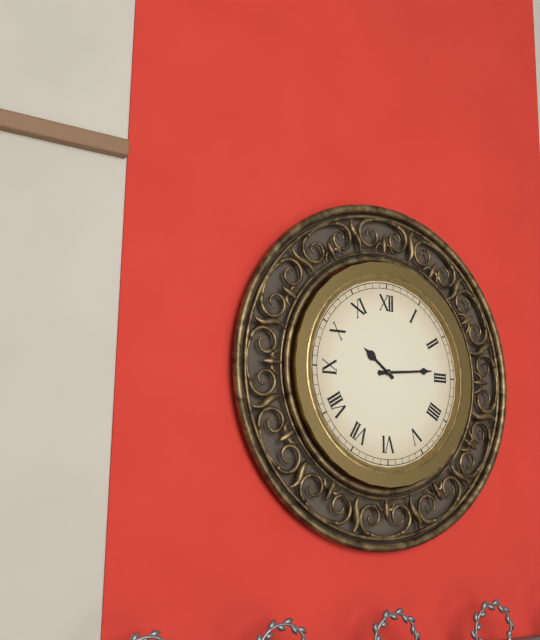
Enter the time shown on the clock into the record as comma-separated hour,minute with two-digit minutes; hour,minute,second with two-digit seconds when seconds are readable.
10,14
